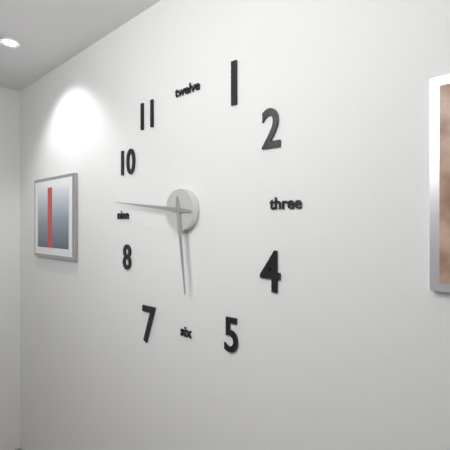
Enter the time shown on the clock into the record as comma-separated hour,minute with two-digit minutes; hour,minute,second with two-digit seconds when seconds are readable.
5,46
